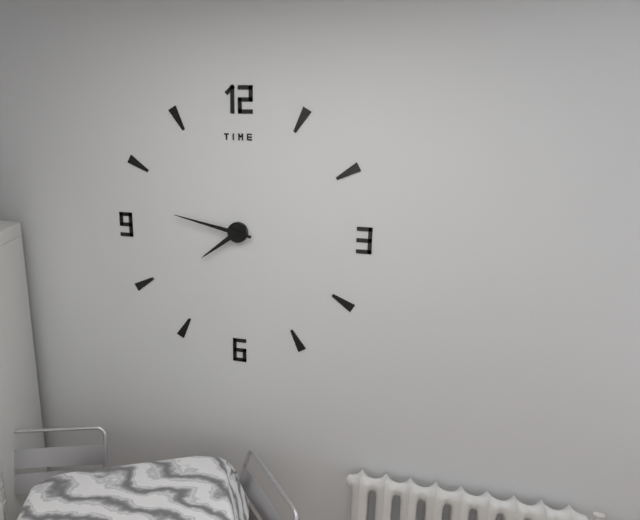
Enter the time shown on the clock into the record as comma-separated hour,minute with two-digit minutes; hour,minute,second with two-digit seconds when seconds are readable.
7,47
